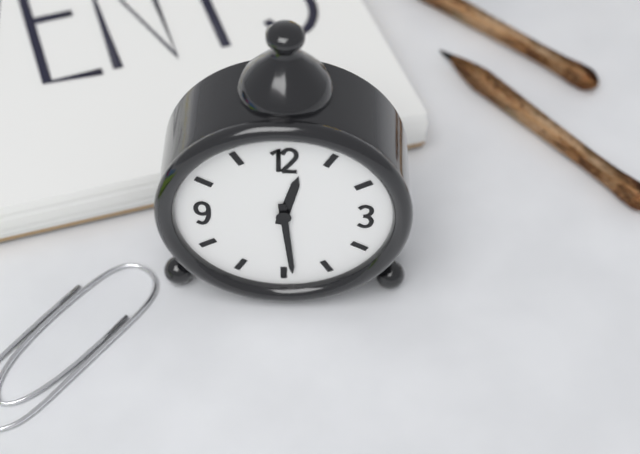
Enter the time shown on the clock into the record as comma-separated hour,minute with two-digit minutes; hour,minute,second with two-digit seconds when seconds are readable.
12,29
